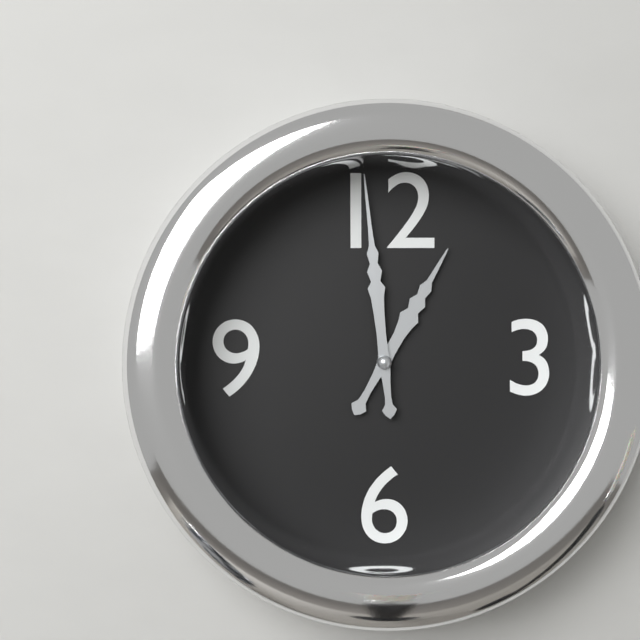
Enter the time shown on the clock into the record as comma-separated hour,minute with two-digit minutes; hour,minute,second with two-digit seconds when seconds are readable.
12,59
